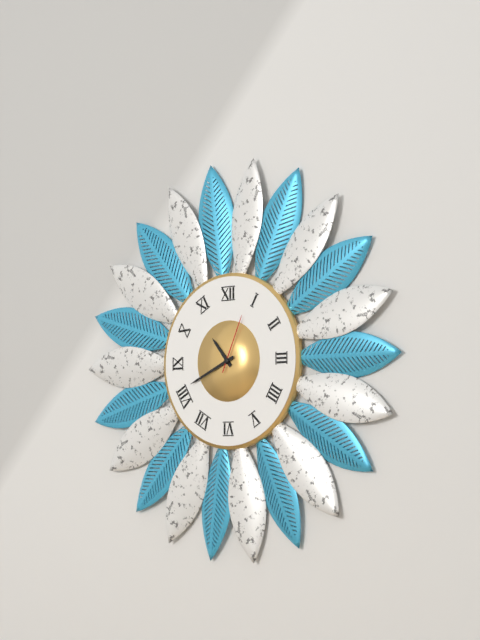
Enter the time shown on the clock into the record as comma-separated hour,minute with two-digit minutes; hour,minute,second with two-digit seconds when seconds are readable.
10,41,04
